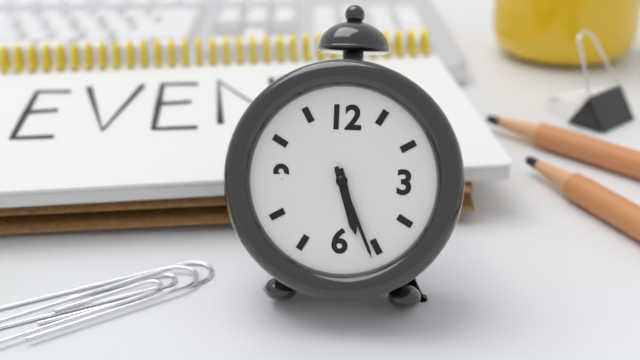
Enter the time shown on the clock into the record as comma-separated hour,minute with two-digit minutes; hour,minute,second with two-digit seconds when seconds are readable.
5,26
